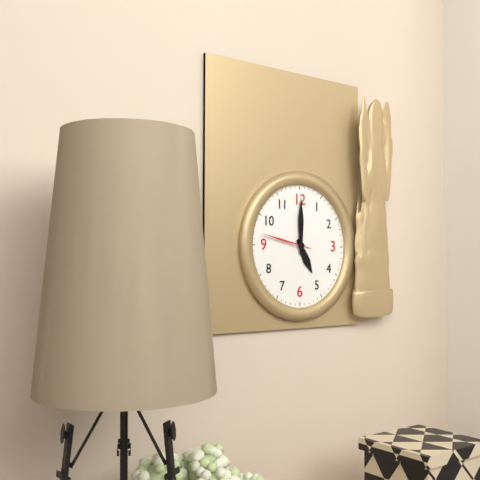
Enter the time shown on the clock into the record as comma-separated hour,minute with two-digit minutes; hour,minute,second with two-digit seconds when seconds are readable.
5,00,47
